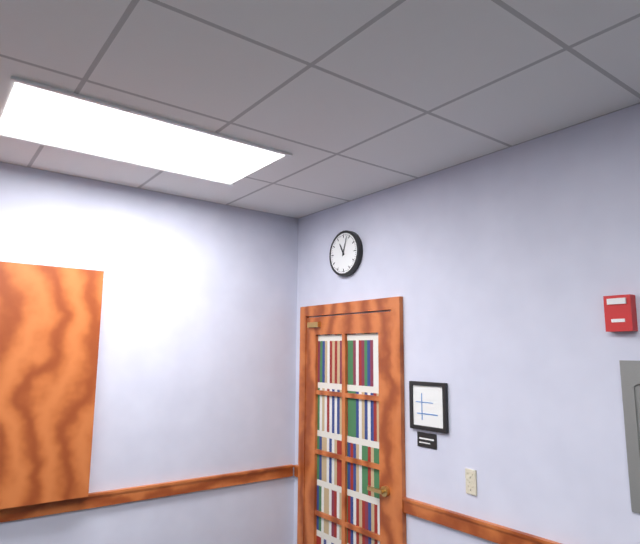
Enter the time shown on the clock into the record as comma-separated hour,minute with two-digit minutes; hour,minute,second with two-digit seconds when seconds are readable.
11,03
